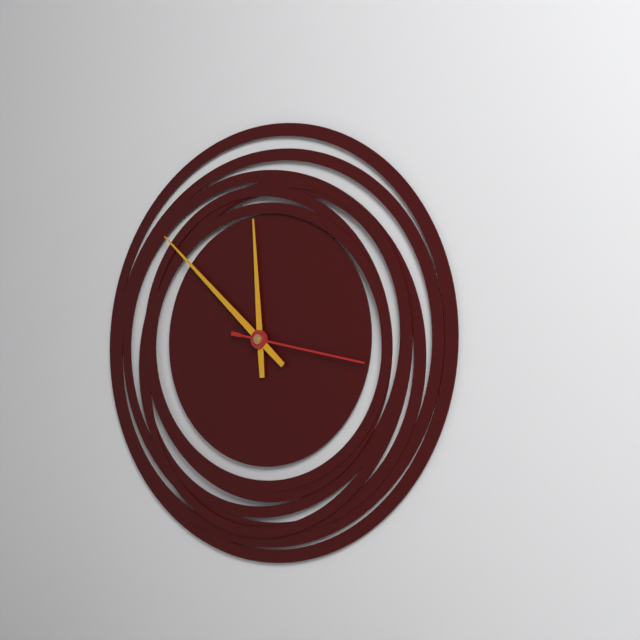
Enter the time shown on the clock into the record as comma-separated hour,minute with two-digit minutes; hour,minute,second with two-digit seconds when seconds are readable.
11,52,17
